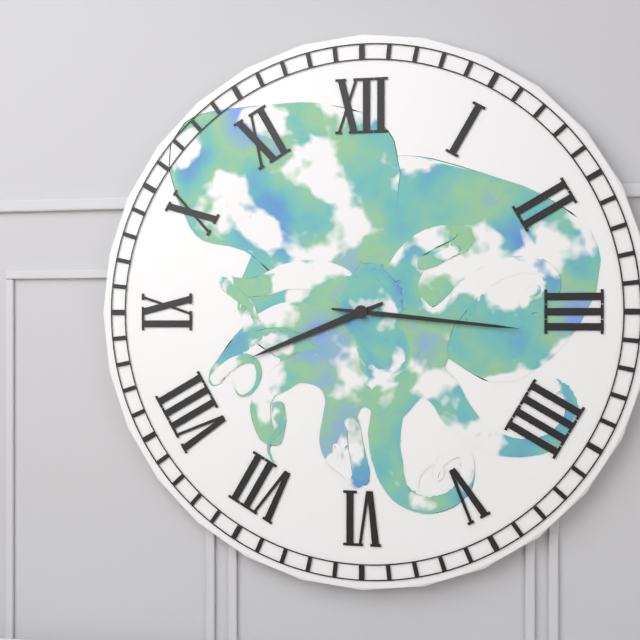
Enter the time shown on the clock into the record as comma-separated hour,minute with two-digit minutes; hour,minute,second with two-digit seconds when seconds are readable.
8,16
